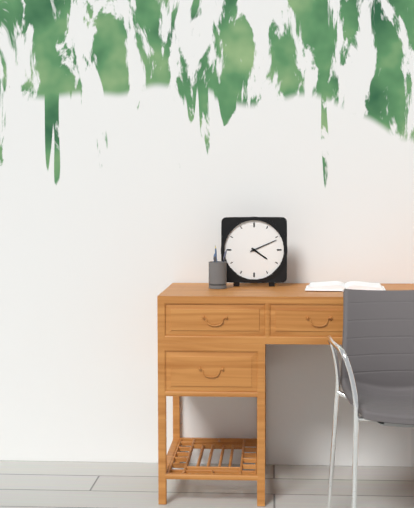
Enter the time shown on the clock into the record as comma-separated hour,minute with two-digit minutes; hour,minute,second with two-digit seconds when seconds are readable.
4,11
